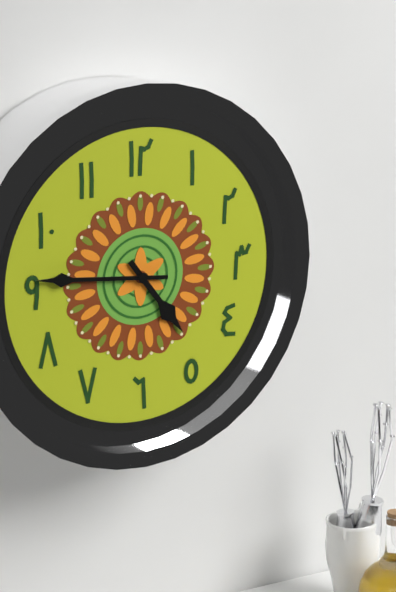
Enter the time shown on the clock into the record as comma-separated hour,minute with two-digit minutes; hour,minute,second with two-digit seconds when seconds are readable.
4,46
